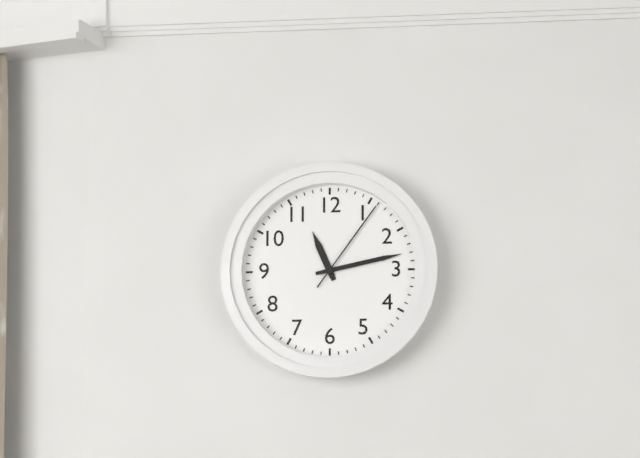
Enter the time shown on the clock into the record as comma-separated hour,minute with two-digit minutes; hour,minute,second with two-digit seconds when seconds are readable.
11,13,06
